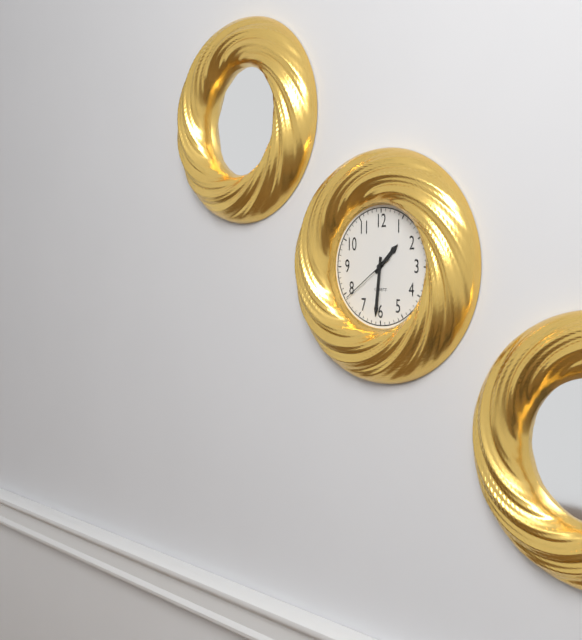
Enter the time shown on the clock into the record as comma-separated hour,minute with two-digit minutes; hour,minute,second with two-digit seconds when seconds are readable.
1,31,39
